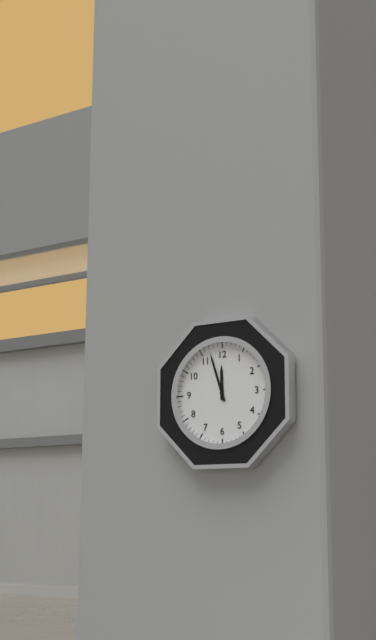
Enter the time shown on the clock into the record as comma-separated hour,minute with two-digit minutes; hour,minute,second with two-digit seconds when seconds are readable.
11,57
